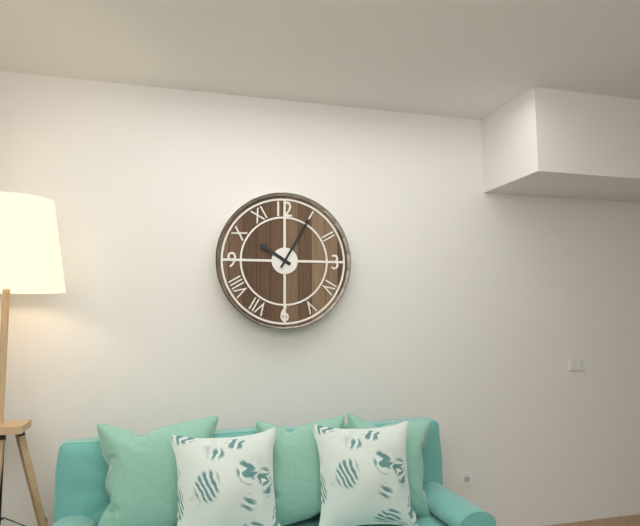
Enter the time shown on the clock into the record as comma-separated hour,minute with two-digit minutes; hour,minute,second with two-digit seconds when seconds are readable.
10,05
